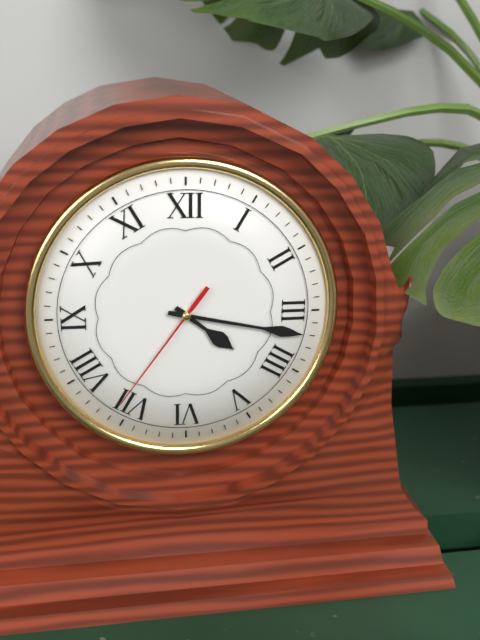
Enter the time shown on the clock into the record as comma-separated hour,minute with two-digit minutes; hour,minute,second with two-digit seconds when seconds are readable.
4,17,36
